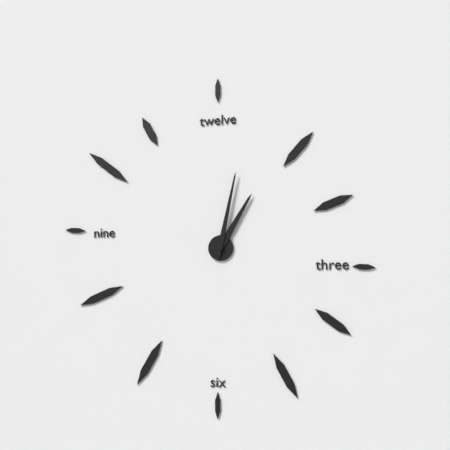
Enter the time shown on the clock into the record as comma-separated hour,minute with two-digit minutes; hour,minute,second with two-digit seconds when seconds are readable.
1,02
